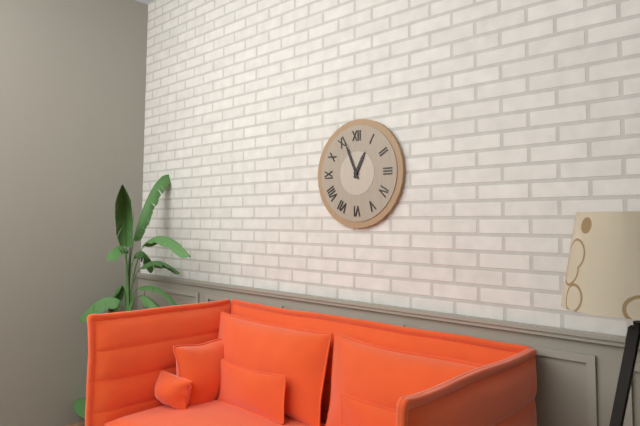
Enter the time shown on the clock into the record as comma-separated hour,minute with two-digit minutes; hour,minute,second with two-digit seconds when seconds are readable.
12,56
